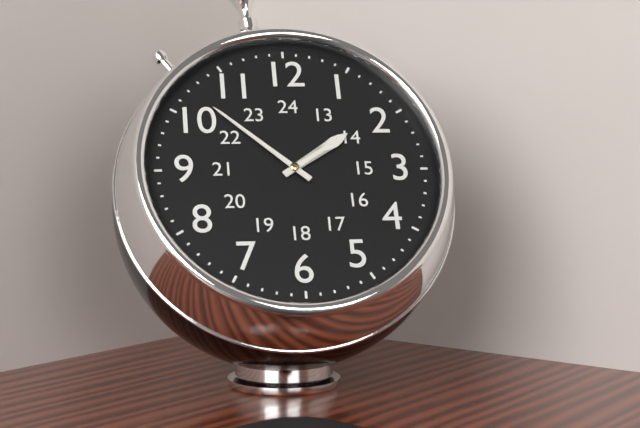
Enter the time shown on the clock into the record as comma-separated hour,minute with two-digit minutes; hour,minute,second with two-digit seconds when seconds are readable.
1,52
